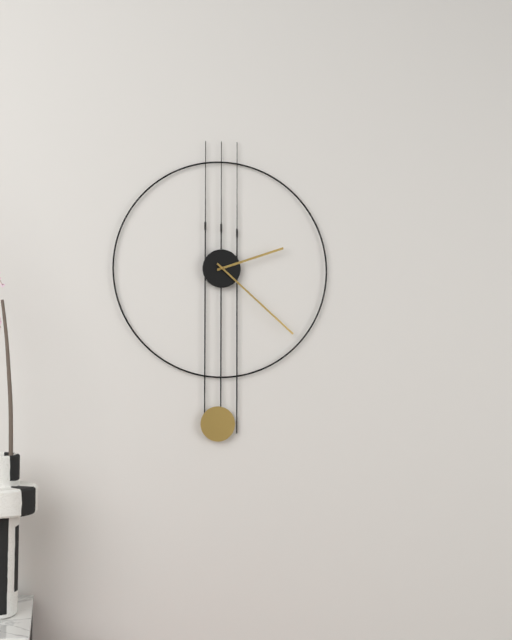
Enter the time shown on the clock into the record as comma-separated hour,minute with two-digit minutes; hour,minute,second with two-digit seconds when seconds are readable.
2,22
